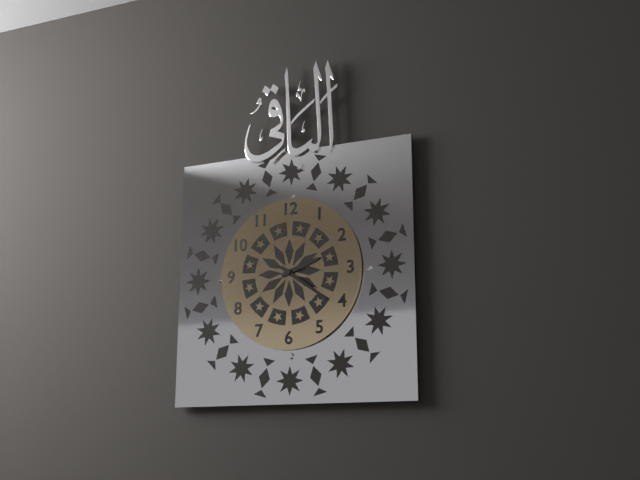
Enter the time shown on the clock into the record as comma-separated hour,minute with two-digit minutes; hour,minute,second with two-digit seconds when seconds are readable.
2,21
